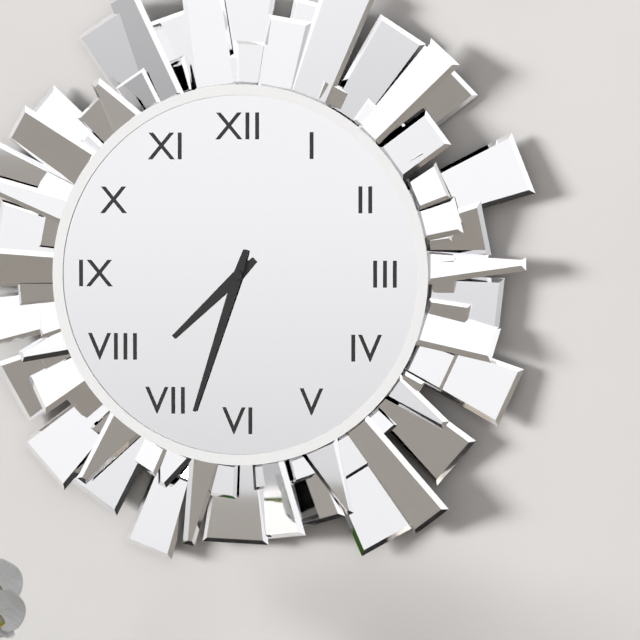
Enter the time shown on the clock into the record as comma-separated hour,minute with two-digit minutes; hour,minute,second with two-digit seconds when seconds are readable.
7,33
